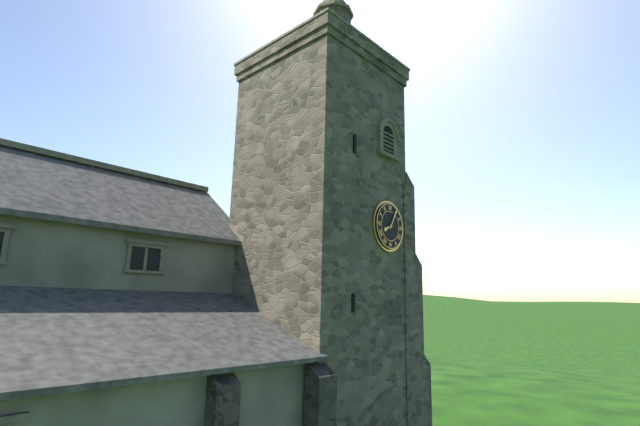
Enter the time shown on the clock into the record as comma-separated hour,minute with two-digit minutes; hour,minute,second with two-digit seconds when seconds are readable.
8,05
